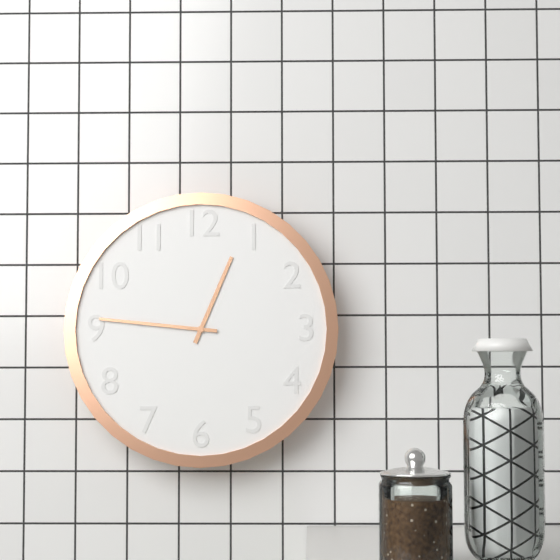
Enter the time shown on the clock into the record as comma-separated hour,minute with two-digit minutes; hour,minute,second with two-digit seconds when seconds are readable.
12,46
